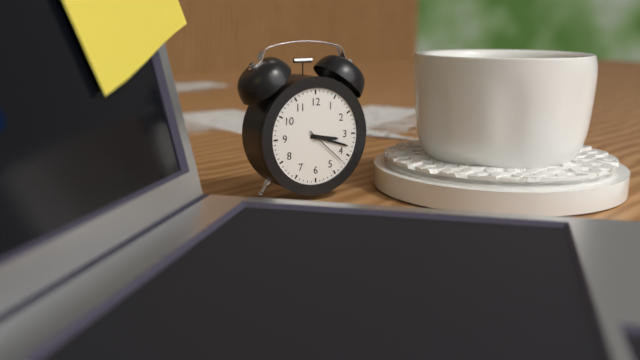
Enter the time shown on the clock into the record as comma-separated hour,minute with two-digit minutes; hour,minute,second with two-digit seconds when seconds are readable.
3,18
